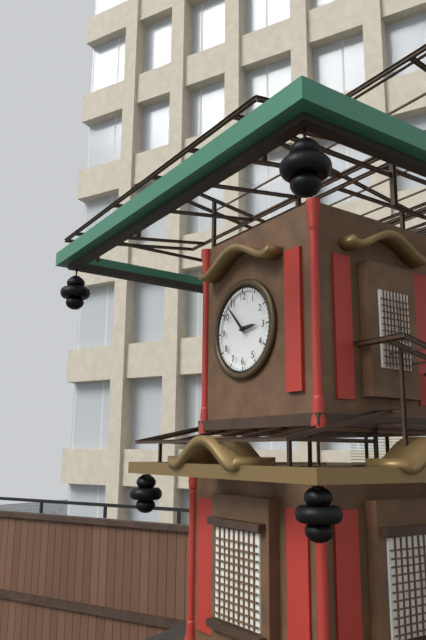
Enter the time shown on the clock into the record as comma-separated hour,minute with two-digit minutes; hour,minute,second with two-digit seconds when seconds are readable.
2,53
